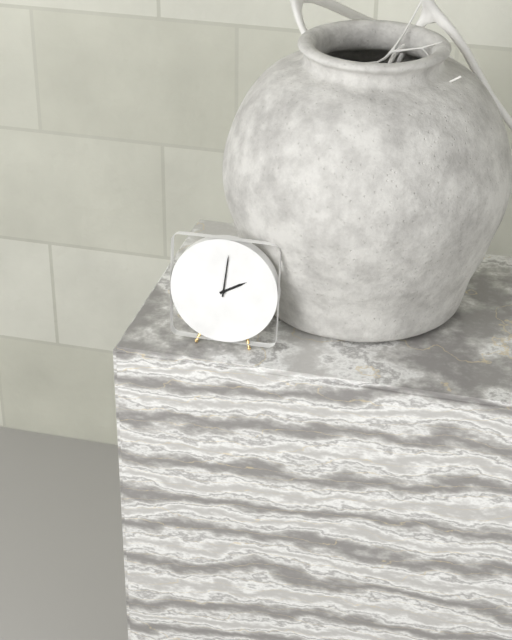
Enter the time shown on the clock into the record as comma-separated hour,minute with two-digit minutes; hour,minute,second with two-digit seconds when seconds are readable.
2,01
